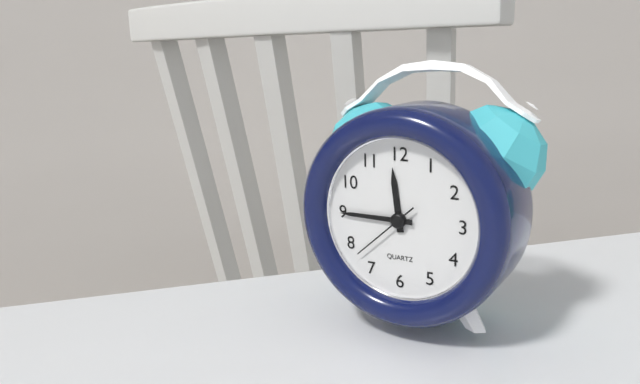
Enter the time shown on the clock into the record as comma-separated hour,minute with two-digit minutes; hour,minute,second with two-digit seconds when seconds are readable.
11,45,38
